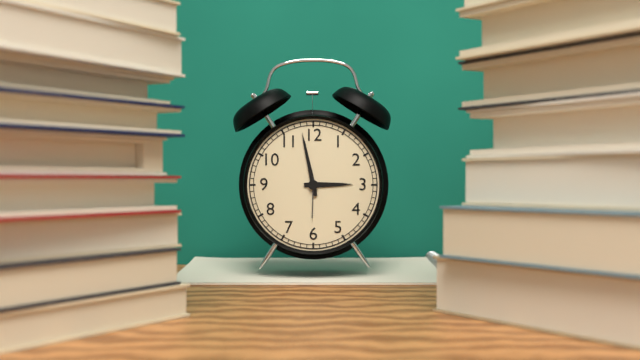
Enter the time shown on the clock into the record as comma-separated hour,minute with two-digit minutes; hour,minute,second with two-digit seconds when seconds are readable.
2,58
